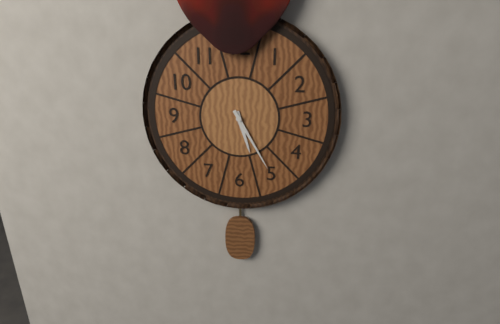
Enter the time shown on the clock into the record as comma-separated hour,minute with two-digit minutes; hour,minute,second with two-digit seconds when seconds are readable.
5,25
